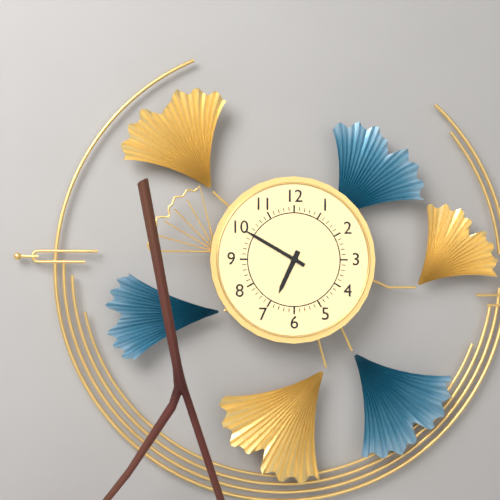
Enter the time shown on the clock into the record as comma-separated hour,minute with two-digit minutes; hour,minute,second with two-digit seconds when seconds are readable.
6,50
